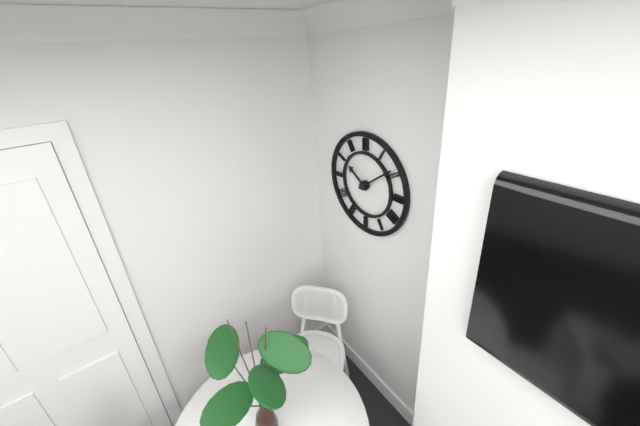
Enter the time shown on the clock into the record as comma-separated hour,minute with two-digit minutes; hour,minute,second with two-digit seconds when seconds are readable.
10,09
